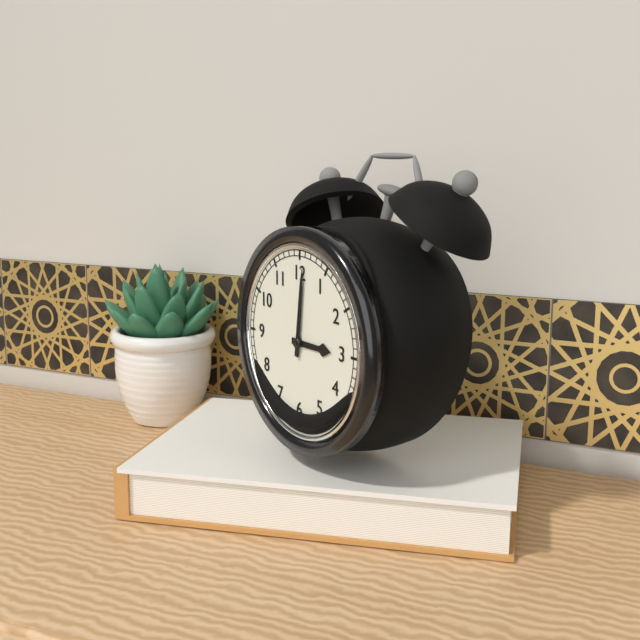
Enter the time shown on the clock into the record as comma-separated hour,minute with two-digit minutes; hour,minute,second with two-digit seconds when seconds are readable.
3,01
